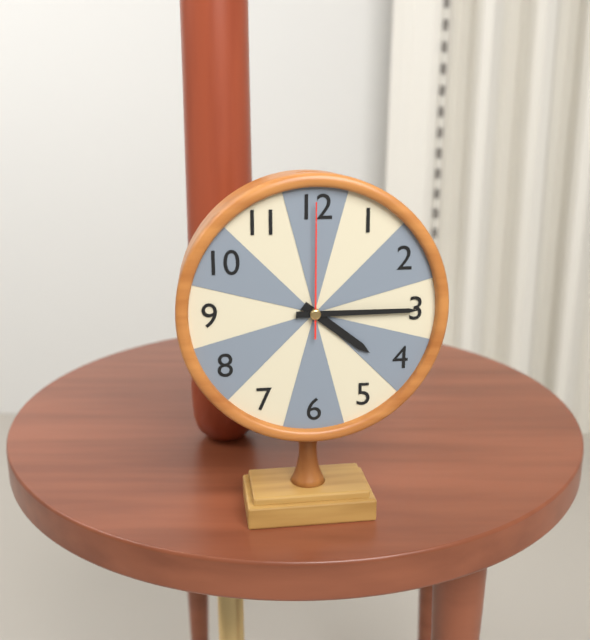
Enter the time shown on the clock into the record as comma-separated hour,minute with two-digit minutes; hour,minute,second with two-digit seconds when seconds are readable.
4,15,00
